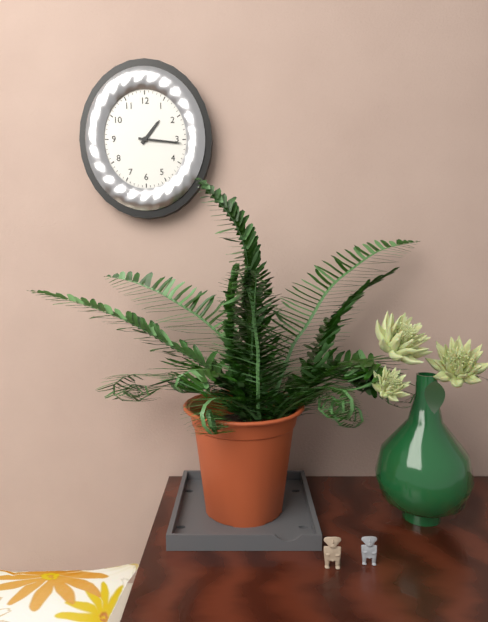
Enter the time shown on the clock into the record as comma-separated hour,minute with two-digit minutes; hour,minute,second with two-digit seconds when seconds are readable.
1,16
